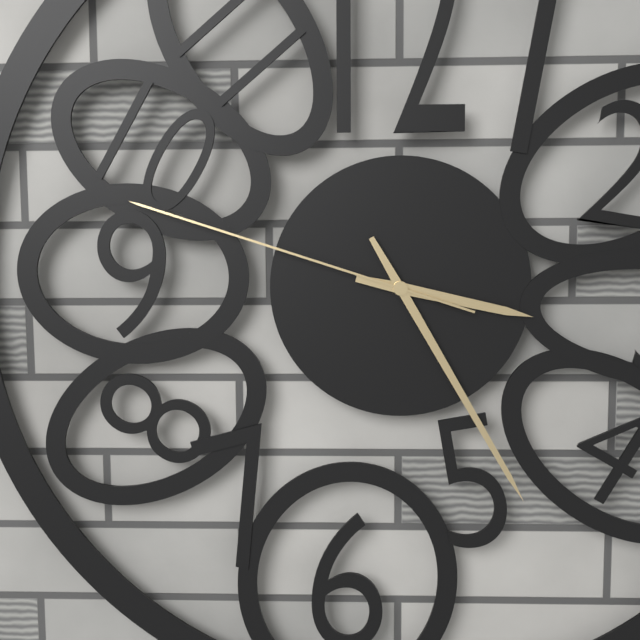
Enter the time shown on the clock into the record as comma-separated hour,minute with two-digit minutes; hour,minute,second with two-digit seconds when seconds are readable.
3,25,48
